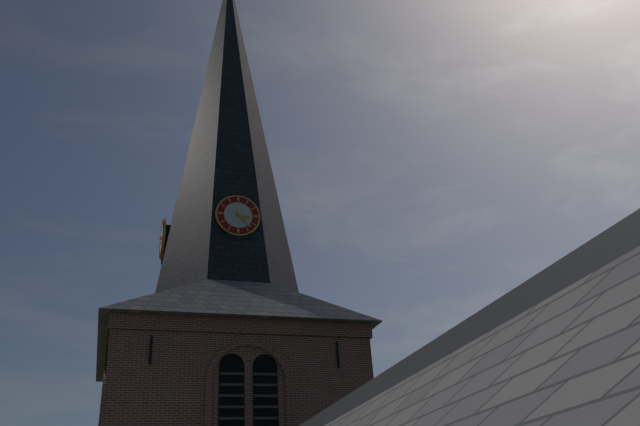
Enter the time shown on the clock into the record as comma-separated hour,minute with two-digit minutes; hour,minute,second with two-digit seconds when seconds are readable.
3,23
